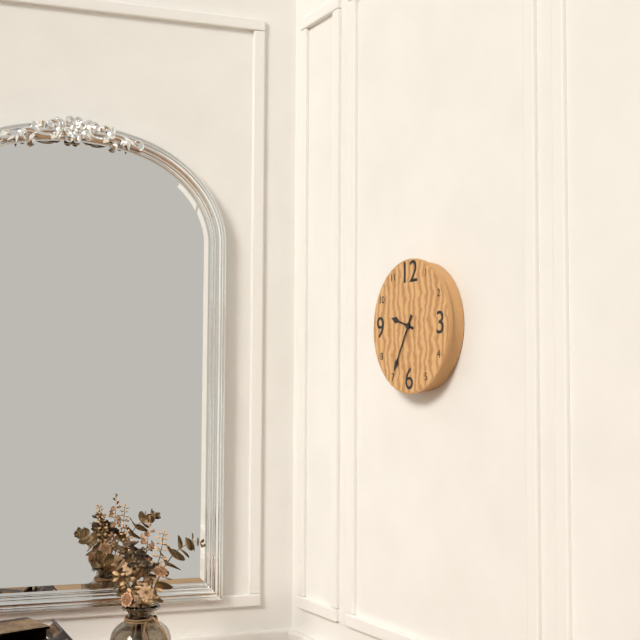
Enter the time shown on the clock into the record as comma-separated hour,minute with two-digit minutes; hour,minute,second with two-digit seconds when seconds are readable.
9,35
